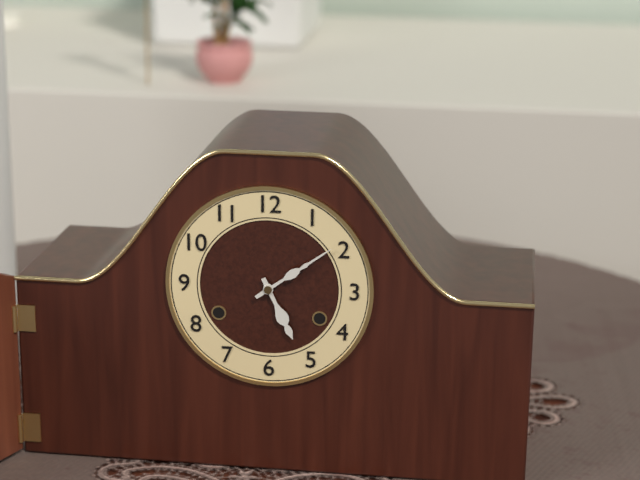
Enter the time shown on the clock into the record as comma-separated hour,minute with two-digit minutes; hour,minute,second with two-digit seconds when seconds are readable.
5,09
